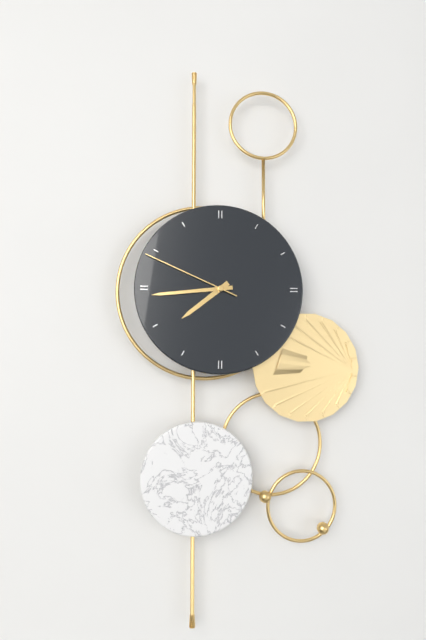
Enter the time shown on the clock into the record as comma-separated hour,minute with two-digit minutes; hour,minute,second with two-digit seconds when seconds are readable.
7,44,49
